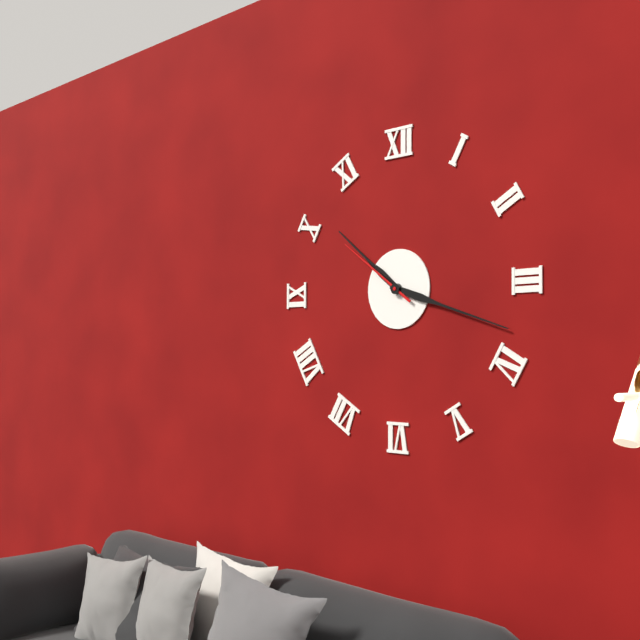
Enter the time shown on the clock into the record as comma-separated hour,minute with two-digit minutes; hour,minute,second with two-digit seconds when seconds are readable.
10,18,51
